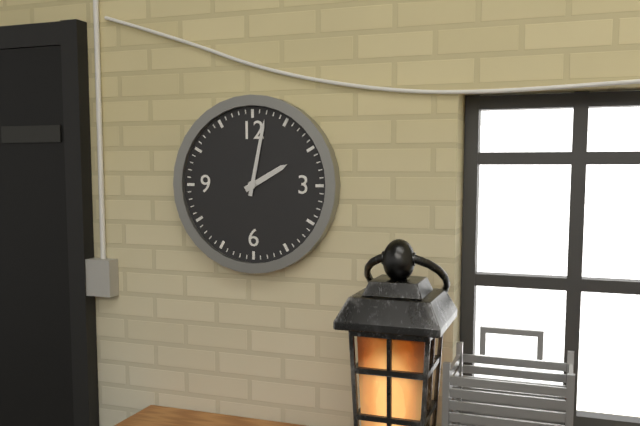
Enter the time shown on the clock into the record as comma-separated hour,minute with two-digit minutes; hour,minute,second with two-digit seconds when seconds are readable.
2,02
